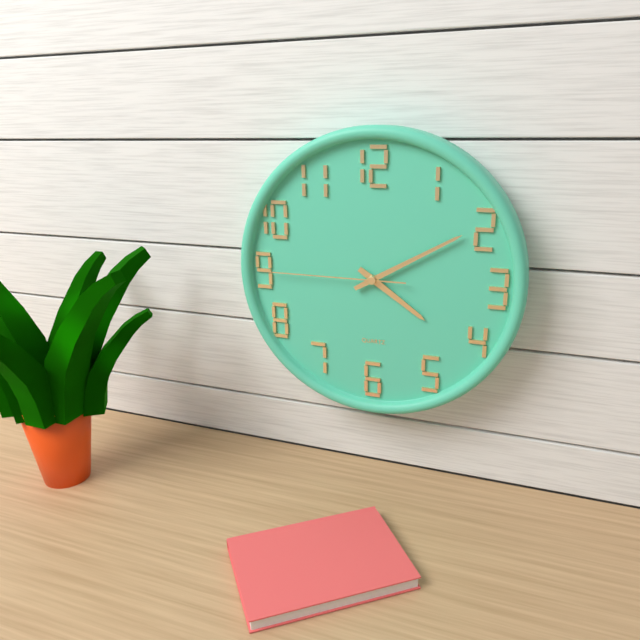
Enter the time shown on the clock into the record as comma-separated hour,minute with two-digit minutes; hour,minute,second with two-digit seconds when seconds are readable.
4,10,45
